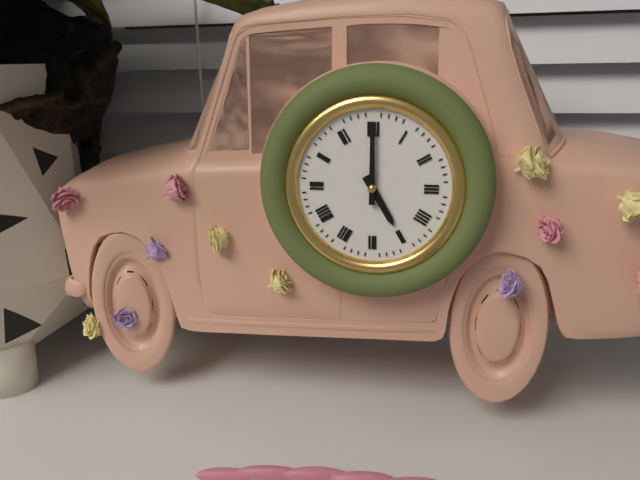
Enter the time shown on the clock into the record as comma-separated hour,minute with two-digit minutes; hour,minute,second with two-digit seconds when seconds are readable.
5,00
